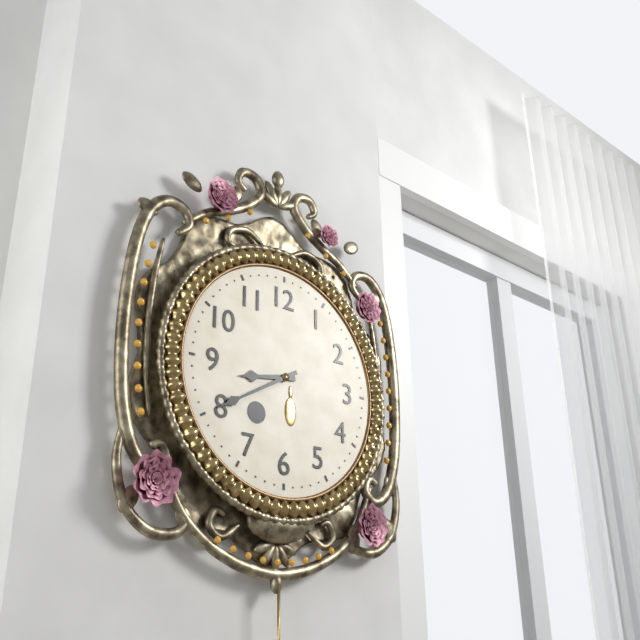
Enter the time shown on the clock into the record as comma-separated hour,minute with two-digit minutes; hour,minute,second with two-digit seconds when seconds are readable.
8,40
